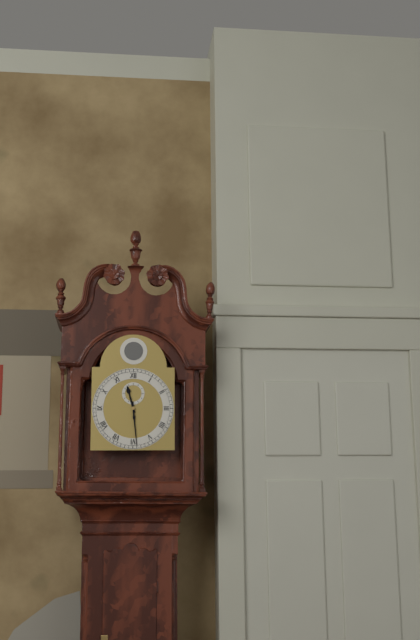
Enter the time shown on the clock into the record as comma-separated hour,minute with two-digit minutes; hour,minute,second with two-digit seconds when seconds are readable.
11,29
